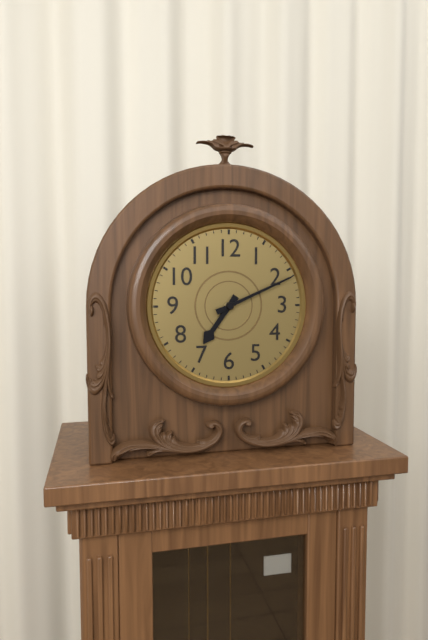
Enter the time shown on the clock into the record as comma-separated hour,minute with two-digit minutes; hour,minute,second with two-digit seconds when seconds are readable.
7,11
